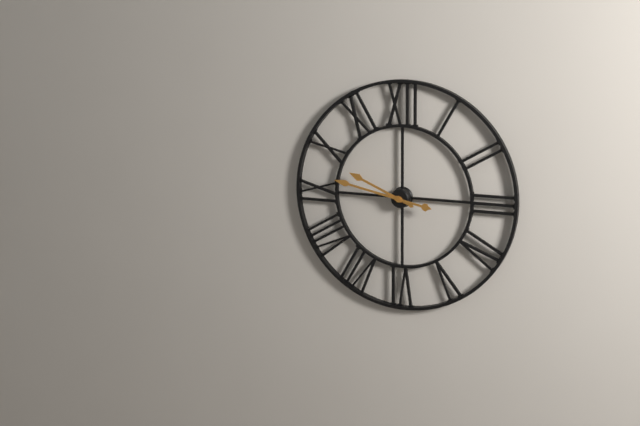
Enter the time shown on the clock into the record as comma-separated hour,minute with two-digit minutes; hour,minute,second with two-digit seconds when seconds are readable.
9,47
